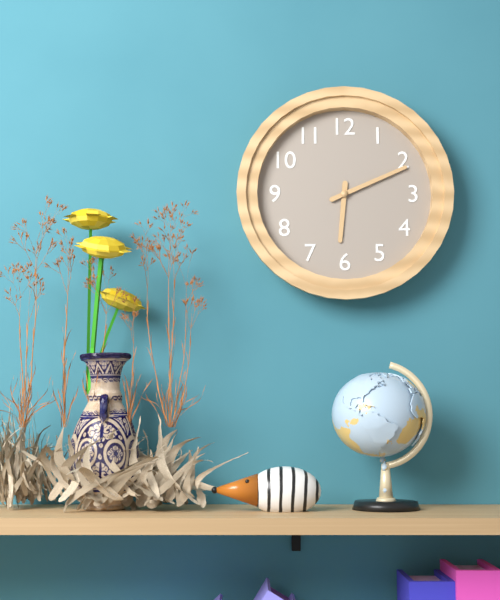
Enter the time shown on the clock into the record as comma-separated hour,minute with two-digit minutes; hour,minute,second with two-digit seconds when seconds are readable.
6,11
